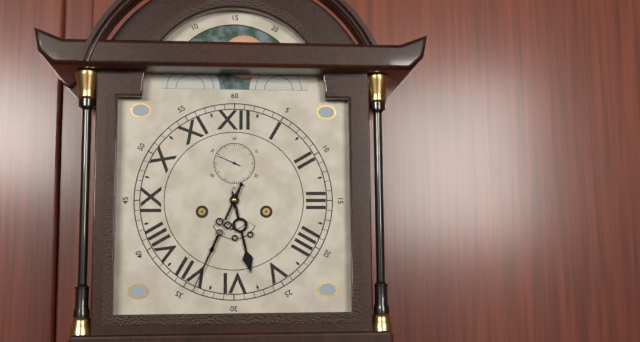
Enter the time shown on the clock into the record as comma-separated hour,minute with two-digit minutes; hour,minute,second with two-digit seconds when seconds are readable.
5,34
